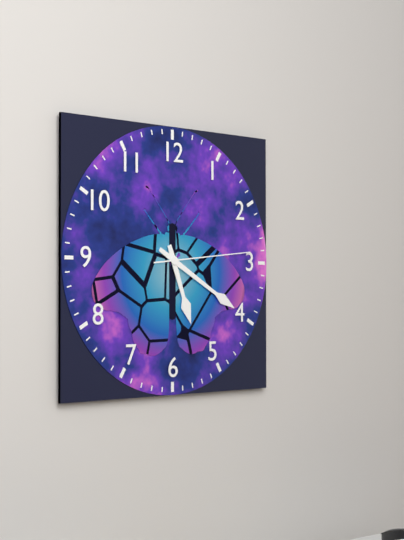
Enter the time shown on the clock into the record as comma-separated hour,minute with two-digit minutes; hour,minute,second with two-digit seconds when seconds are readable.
5,20,14
